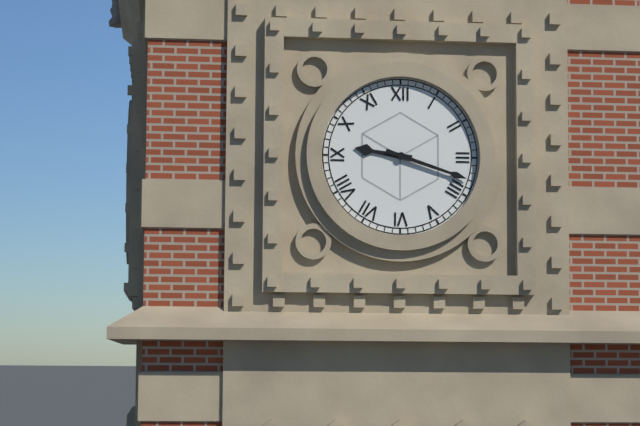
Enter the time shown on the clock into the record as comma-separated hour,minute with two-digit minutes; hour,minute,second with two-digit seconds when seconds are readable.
9,18
